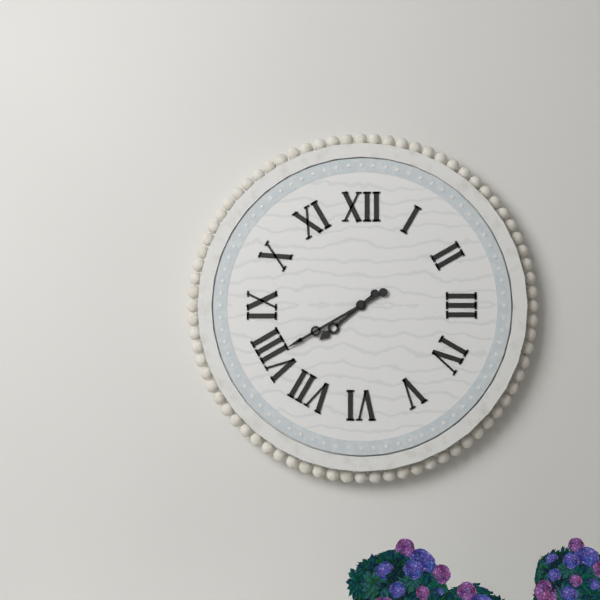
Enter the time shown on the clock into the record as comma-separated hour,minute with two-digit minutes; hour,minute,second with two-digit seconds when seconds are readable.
7,40
